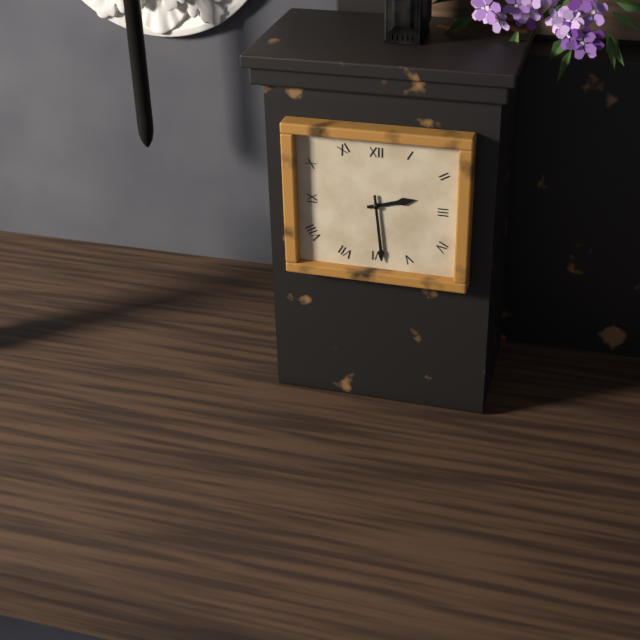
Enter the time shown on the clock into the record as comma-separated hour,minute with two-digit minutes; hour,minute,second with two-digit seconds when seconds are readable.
2,29
